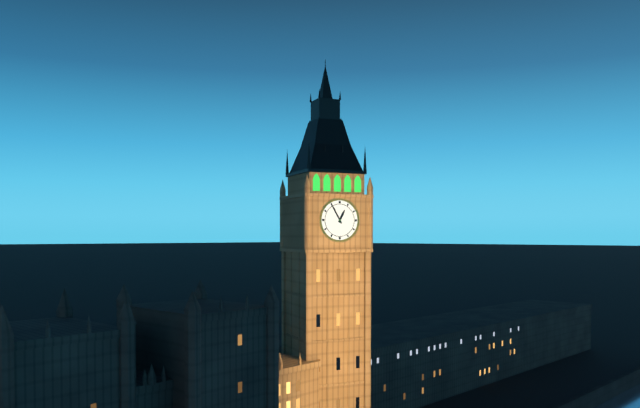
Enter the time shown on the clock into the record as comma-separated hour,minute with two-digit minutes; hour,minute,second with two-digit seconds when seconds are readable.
12,55
